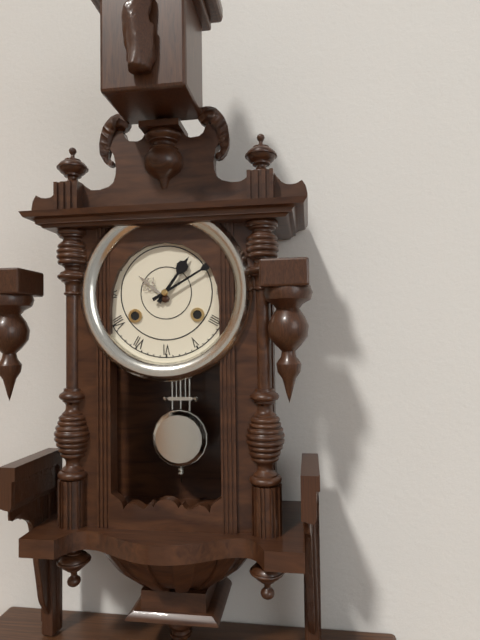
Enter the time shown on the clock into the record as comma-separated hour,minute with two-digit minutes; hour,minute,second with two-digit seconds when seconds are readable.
1,10
